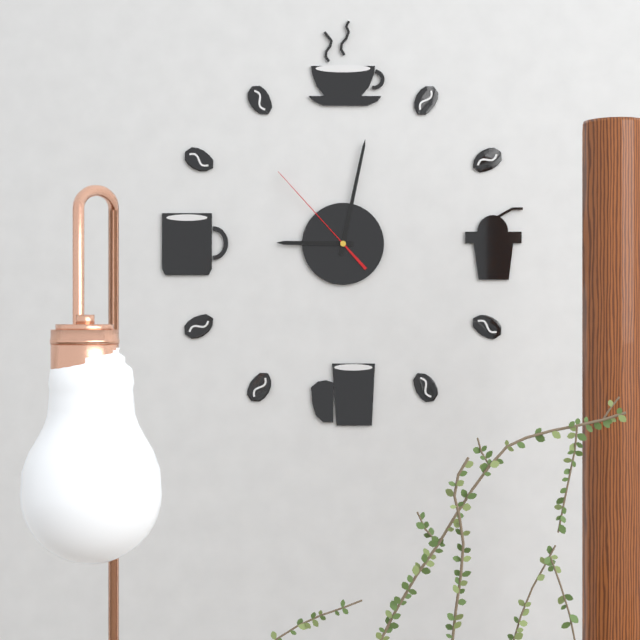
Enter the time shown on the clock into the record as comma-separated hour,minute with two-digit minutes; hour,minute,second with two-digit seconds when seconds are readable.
9,02,53
